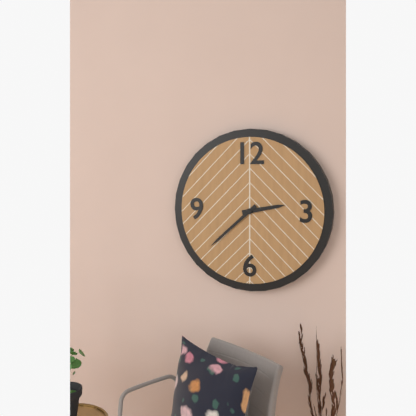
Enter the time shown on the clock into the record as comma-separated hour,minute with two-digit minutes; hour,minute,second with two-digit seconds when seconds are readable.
2,38
